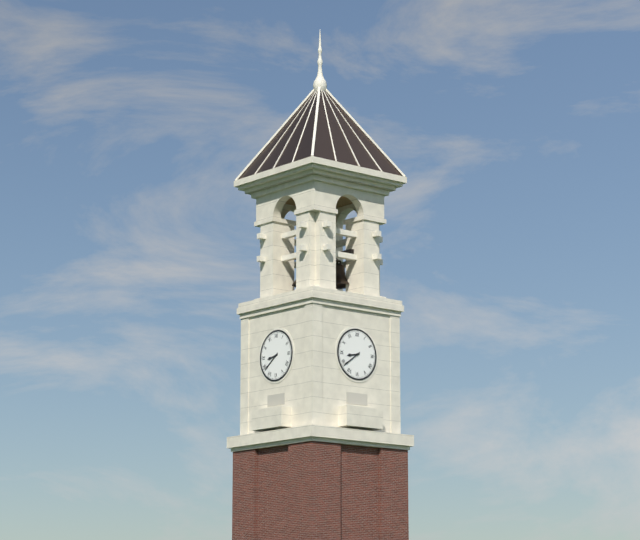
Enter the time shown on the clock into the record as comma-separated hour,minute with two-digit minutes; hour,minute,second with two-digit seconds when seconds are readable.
8,39
